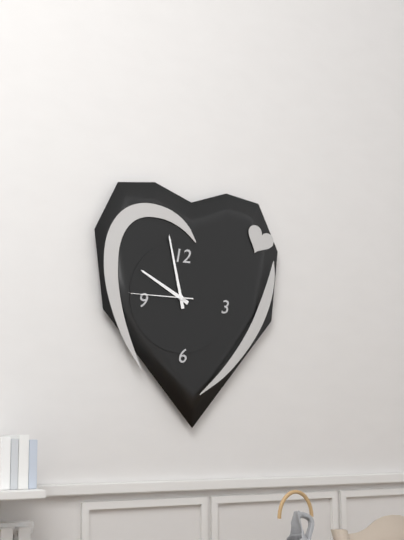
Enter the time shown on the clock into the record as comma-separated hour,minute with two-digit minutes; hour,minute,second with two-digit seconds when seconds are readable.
9,58,45
